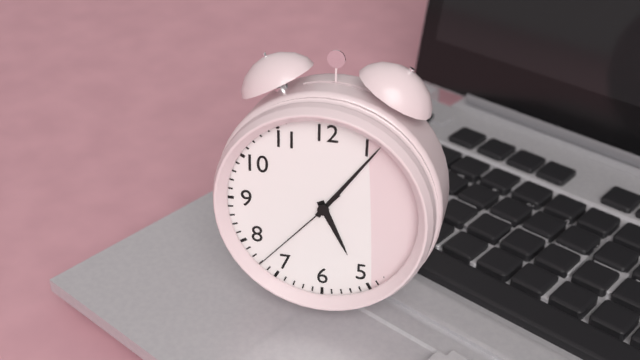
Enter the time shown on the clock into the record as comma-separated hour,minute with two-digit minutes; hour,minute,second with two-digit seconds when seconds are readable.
5,06,37
